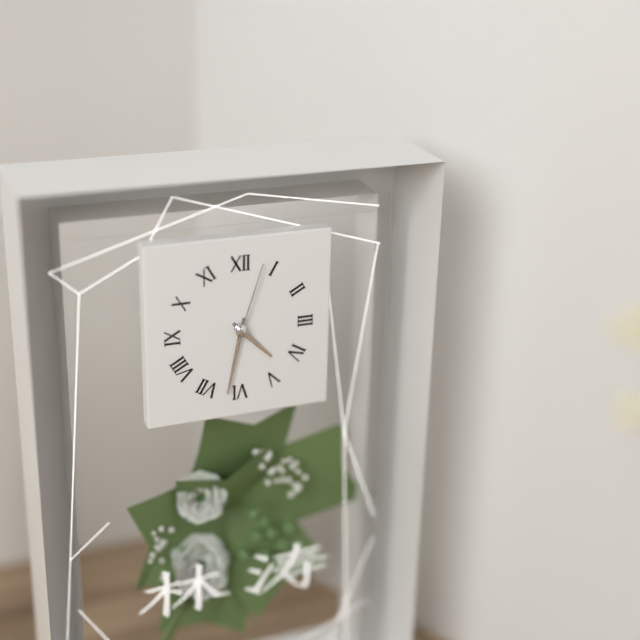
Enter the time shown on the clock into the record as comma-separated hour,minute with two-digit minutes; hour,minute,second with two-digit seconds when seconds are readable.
4,32,03
